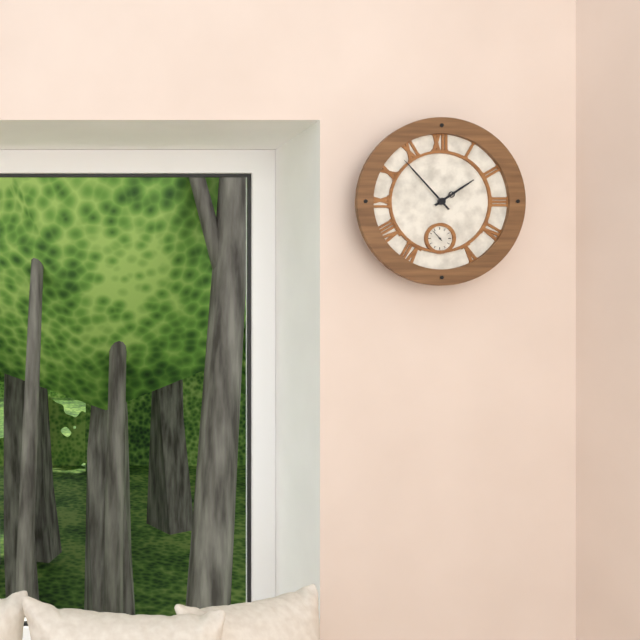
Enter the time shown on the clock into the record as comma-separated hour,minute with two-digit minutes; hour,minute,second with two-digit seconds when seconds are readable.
1,53
